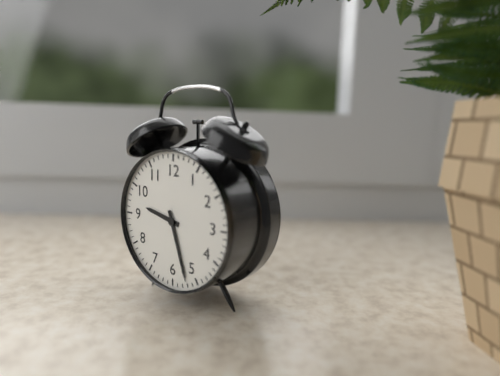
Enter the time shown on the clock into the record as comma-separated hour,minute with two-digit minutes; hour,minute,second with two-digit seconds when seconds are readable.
9,27
